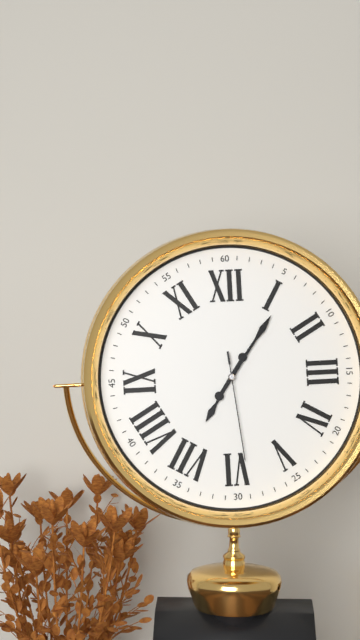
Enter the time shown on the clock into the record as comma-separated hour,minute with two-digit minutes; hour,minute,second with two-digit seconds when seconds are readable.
7,06,29
